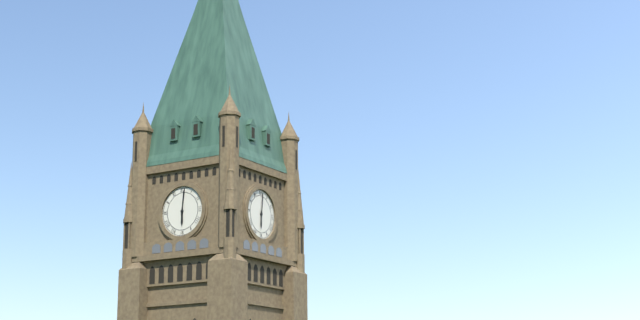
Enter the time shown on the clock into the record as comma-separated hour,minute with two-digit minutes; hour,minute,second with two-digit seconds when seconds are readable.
6,01
